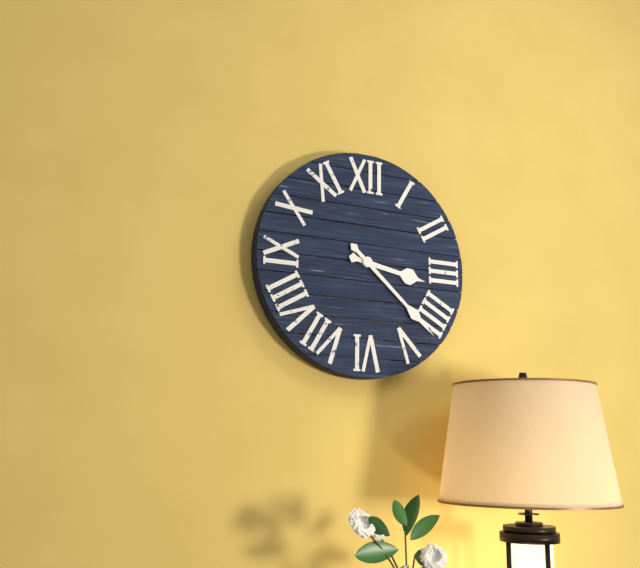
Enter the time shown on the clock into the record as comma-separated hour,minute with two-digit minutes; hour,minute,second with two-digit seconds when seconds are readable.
3,22
